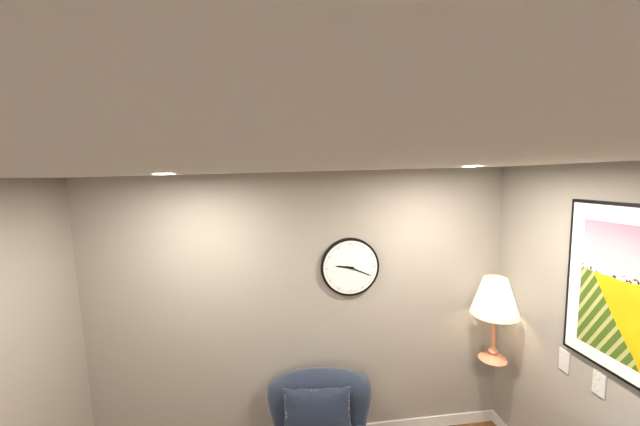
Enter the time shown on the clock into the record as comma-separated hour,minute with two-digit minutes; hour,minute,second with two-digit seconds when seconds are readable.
9,19
